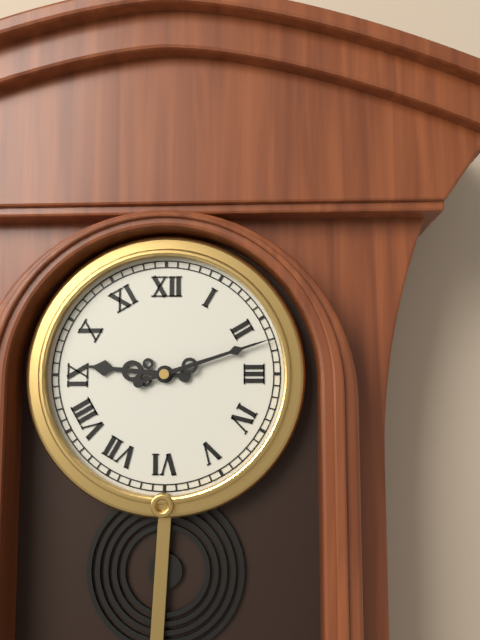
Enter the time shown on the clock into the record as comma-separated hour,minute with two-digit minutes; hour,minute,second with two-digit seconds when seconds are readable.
9,12
